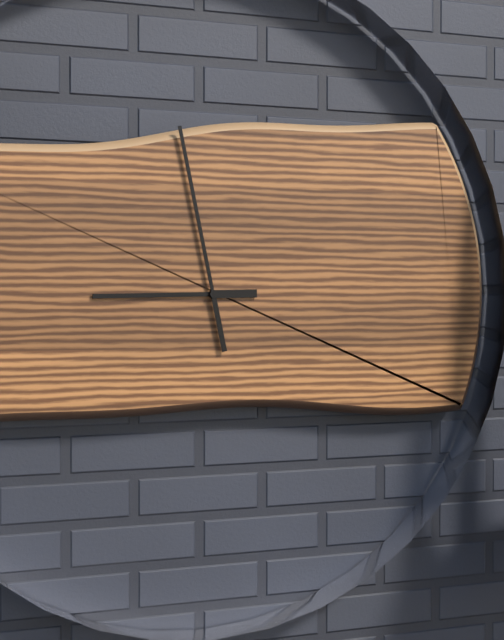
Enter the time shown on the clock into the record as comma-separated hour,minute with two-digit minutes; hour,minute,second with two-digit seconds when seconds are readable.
8,58
